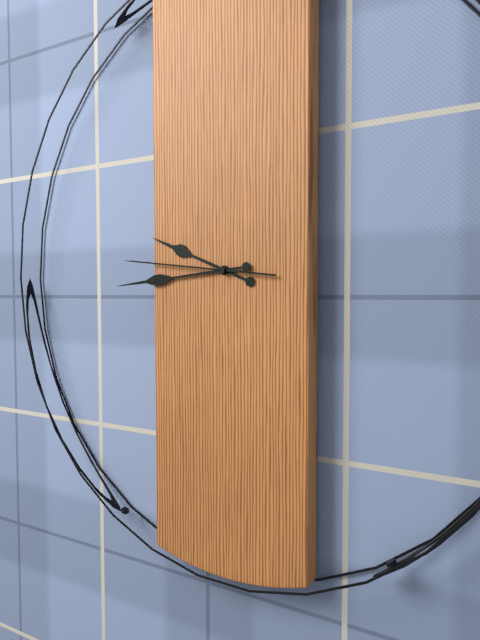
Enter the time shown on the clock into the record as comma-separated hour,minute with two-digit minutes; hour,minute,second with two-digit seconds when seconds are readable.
9,44,46
